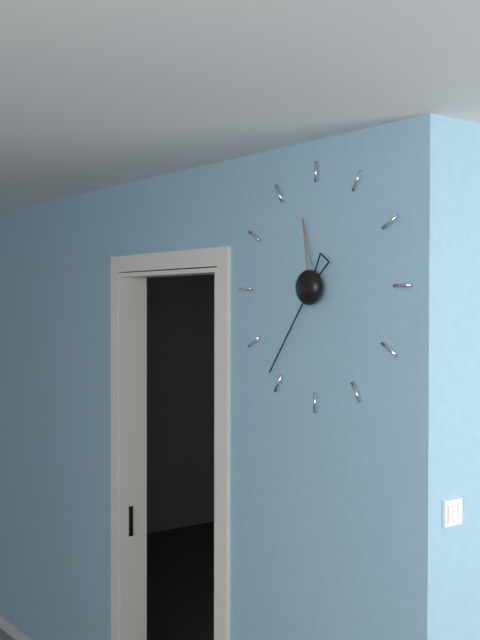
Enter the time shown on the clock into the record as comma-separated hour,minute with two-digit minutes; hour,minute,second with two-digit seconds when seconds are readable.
11,36
